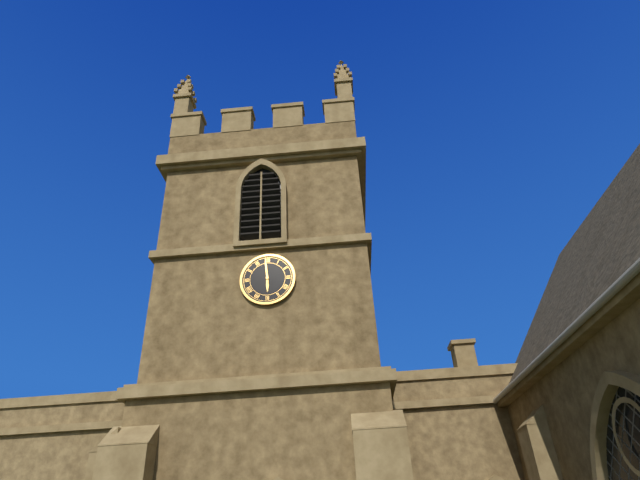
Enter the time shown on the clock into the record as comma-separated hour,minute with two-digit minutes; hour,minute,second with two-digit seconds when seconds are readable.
5,59
